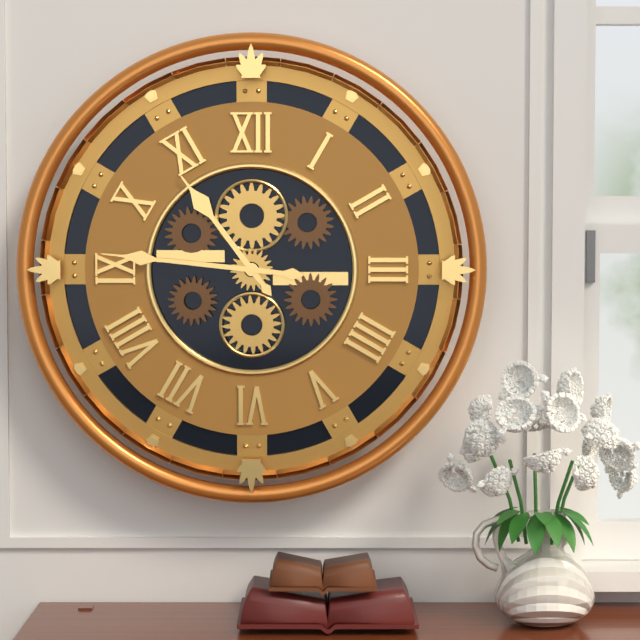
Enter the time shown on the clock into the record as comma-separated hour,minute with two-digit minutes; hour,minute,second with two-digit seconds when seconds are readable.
10,46
